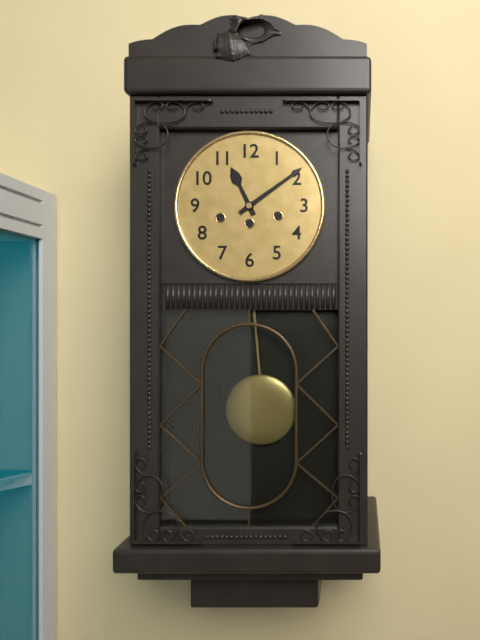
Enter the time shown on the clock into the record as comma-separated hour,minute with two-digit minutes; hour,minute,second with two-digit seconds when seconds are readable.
11,09
